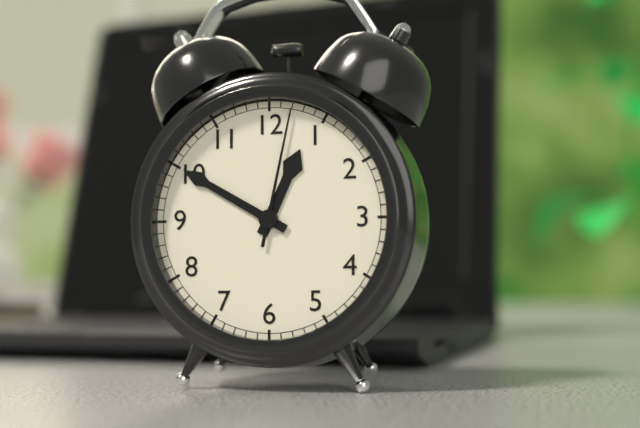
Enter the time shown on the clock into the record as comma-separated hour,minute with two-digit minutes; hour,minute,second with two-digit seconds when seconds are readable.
12,50,02
